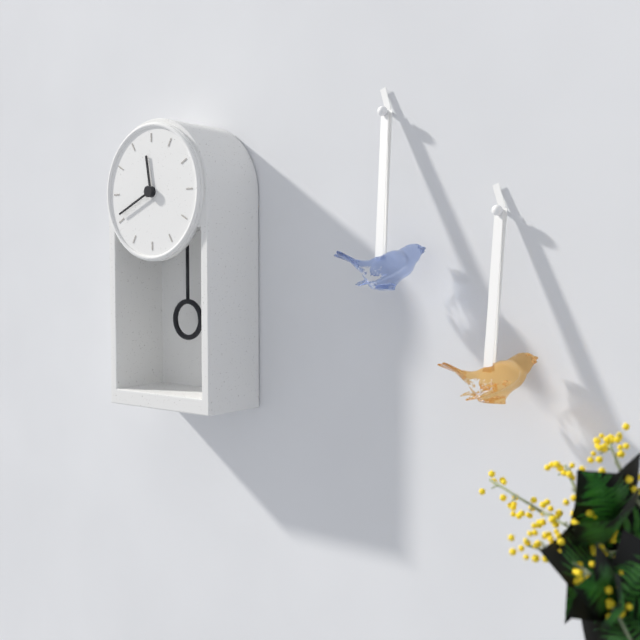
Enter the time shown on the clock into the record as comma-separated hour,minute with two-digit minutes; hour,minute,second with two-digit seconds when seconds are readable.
11,41
